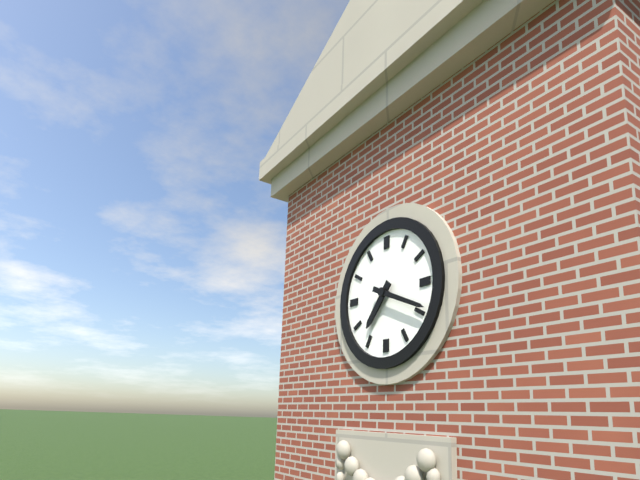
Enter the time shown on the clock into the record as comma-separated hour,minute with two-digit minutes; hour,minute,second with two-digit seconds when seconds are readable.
7,19
